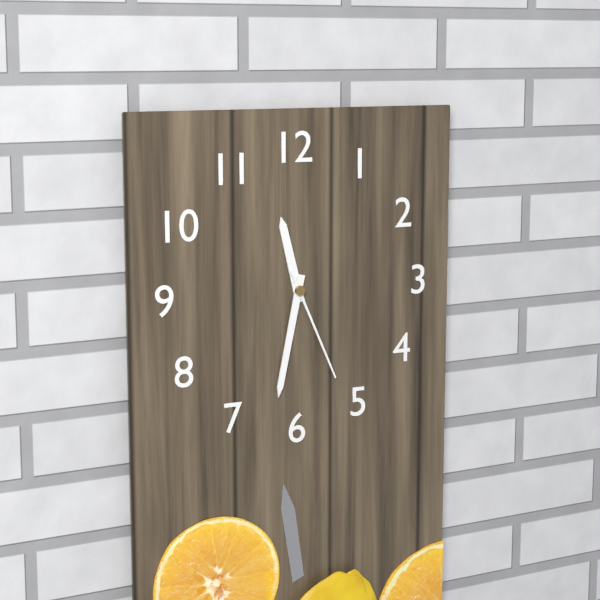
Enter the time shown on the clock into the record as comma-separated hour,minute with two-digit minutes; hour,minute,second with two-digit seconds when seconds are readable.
11,32,26
